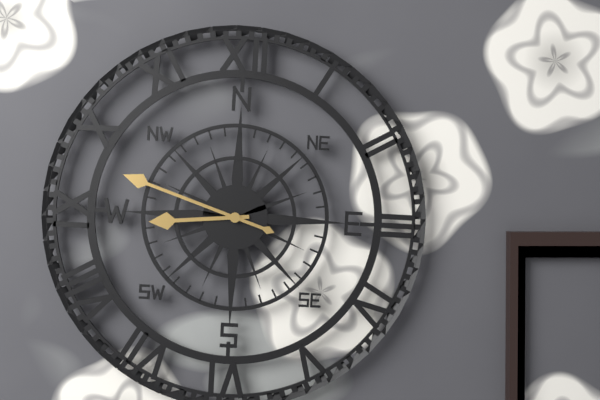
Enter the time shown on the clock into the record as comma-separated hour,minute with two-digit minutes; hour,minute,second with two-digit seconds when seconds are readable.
8,48
